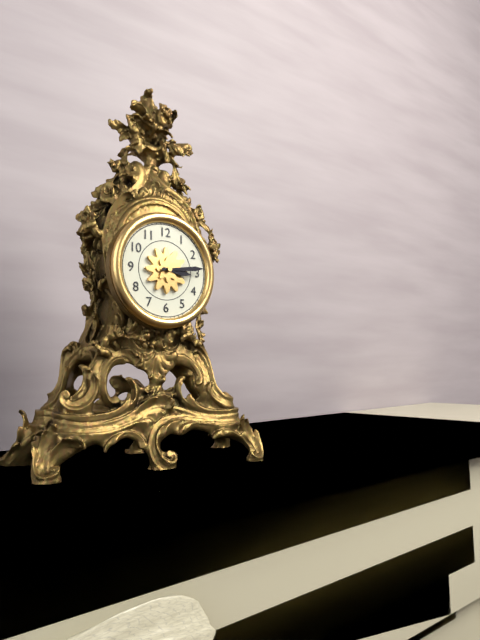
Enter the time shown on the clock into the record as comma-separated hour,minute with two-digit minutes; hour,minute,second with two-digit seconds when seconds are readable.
3,14
